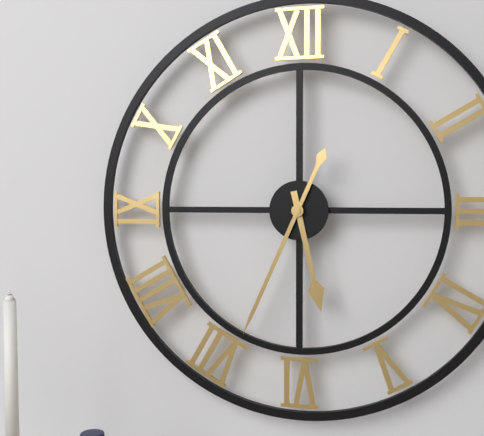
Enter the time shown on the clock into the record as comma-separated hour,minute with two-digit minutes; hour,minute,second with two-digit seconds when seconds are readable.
5,34
